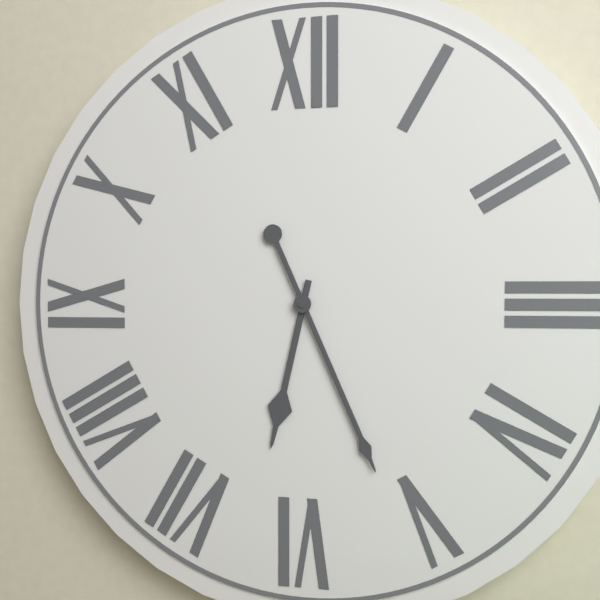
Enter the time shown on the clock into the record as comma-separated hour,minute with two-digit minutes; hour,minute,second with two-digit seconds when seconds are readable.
6,26
